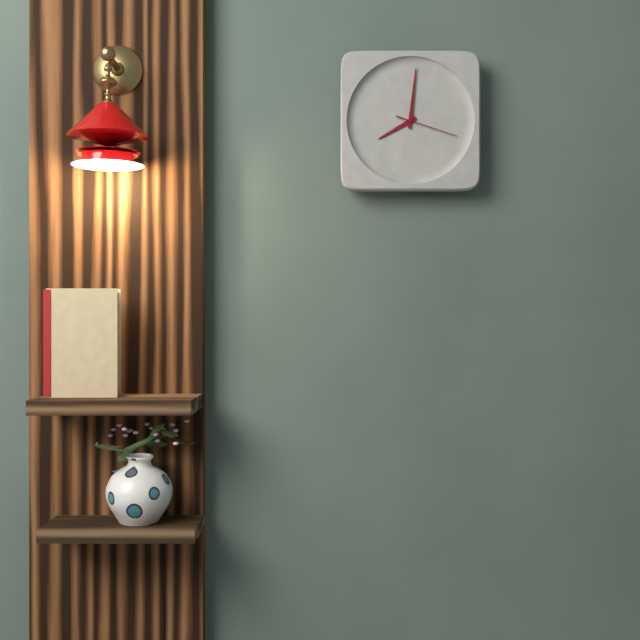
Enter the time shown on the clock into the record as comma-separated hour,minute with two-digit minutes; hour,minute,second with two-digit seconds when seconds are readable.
8,01,18
